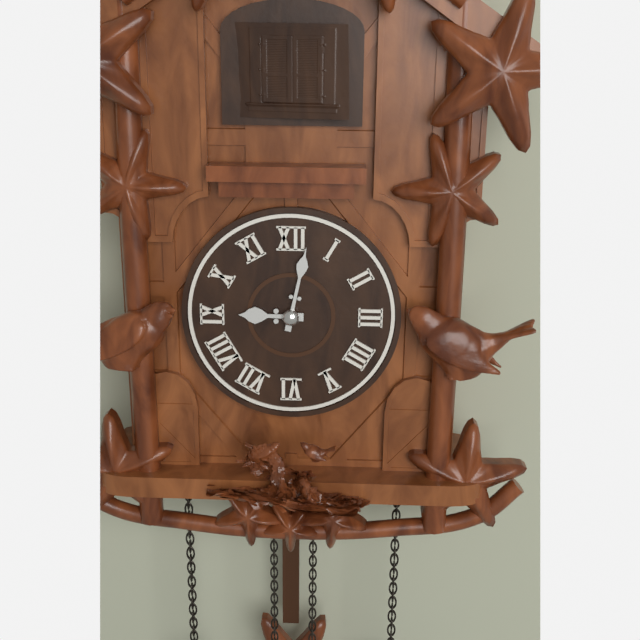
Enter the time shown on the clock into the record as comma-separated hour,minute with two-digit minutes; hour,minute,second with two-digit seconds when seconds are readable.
9,02
